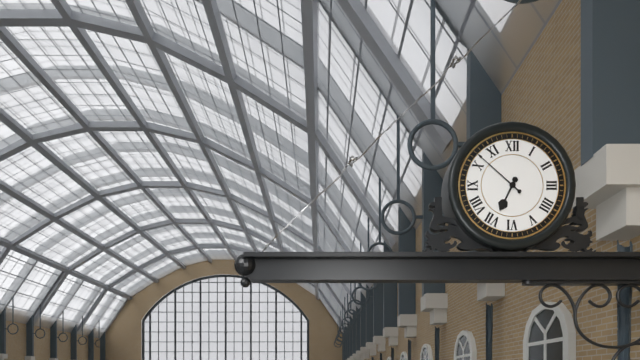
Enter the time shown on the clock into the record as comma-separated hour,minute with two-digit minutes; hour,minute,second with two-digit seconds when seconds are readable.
6,52
